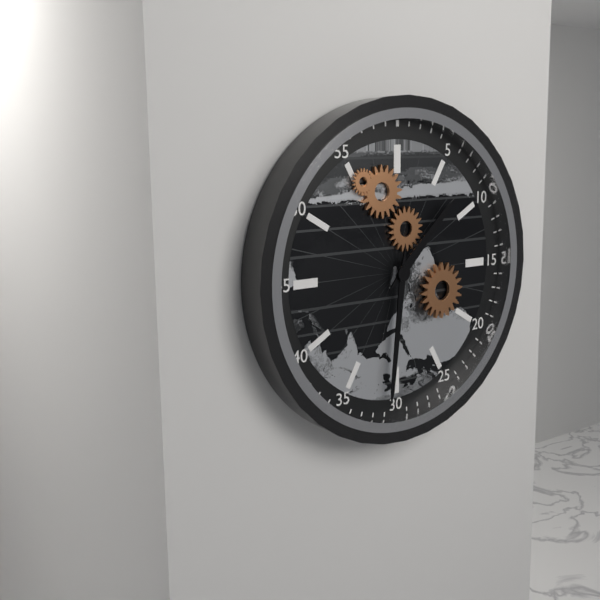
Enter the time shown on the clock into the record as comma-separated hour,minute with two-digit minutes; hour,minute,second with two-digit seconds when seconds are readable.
1,31
